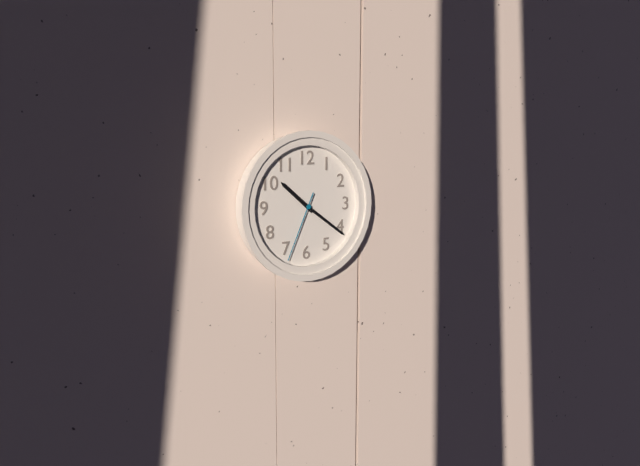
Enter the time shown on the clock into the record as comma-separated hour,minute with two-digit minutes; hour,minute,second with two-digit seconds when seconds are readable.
10,21,34
